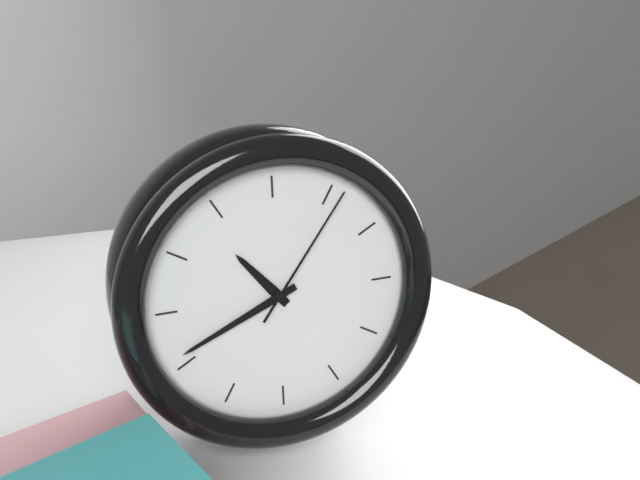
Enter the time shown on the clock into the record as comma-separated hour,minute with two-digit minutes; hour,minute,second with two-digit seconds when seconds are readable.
10,41,06
